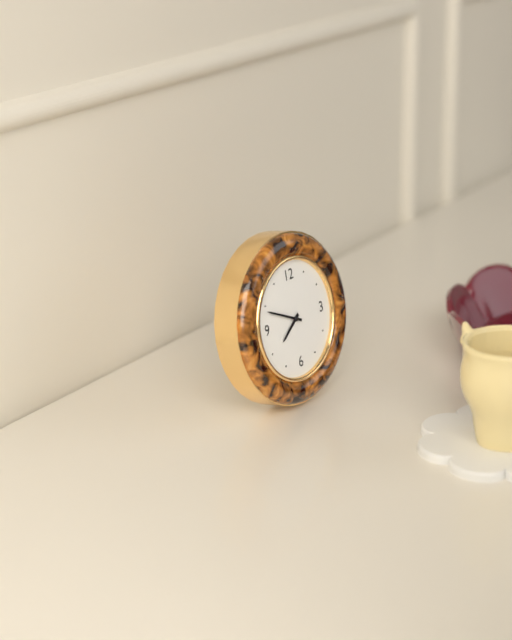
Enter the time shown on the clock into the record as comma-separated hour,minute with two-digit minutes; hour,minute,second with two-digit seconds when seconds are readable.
7,49
